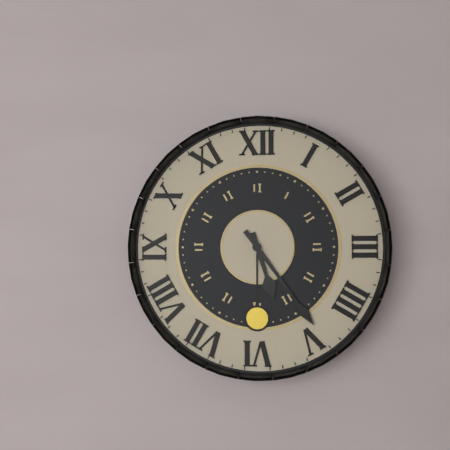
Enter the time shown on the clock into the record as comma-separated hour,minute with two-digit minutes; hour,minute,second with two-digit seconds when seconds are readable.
5,24
